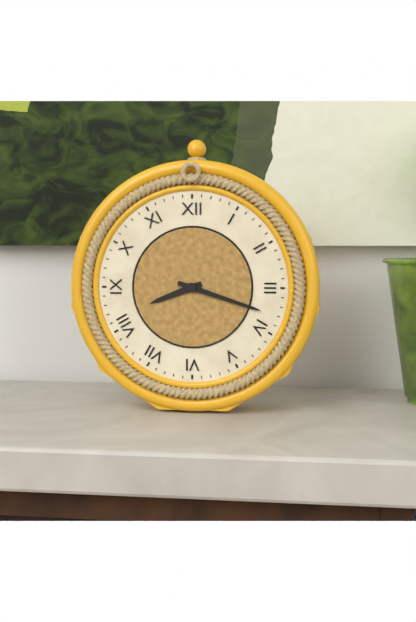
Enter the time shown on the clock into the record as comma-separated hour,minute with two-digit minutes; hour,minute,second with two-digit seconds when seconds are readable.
8,18
